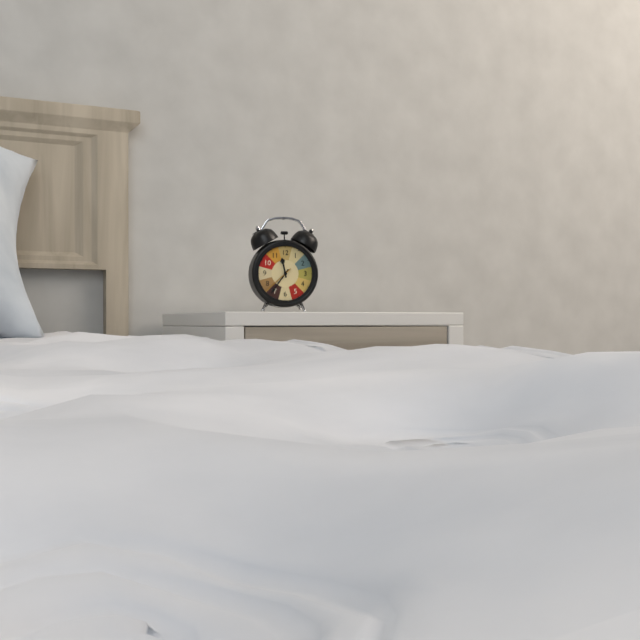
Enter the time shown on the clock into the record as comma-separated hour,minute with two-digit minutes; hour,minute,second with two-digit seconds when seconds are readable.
11,36
